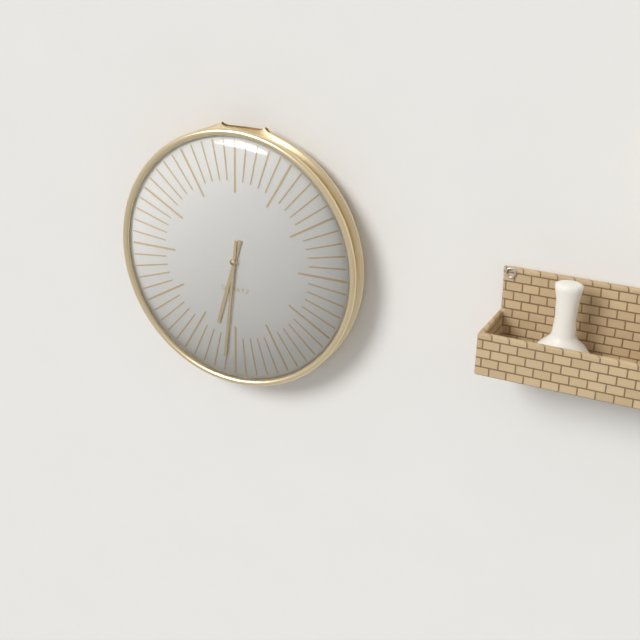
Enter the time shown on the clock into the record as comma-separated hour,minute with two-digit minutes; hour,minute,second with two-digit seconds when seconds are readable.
6,31
